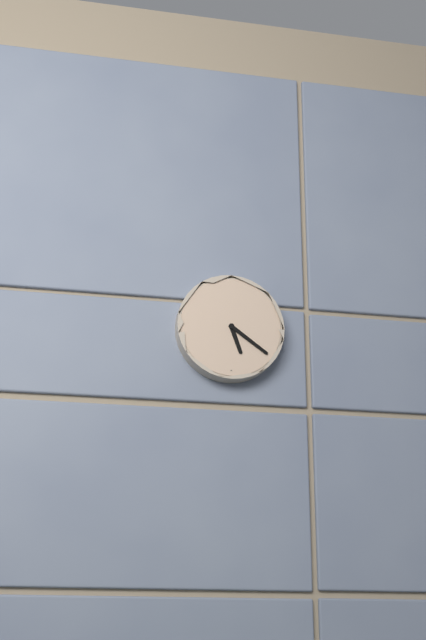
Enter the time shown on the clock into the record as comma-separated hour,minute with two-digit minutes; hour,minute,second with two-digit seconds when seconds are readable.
5,21
